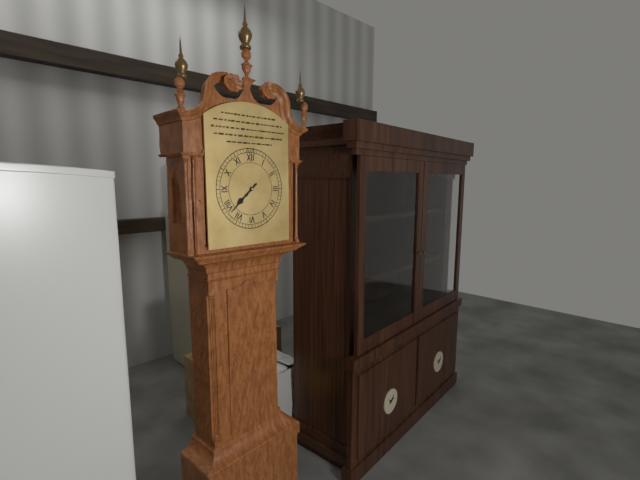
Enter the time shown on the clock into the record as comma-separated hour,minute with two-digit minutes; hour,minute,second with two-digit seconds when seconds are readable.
7,38
